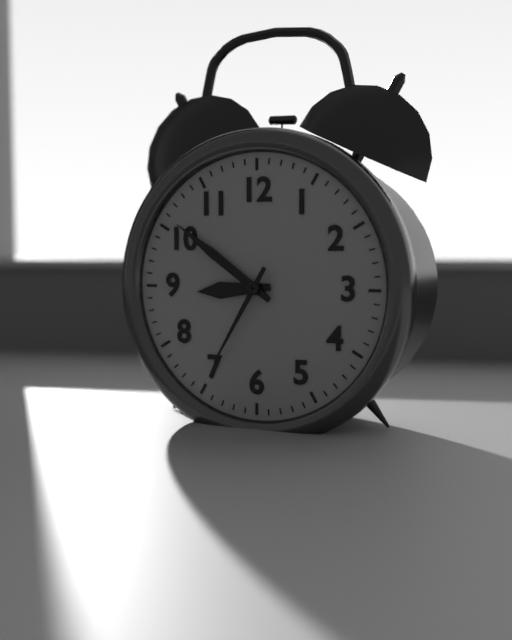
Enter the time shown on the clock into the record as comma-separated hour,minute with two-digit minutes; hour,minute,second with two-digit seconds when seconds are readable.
8,51,35
